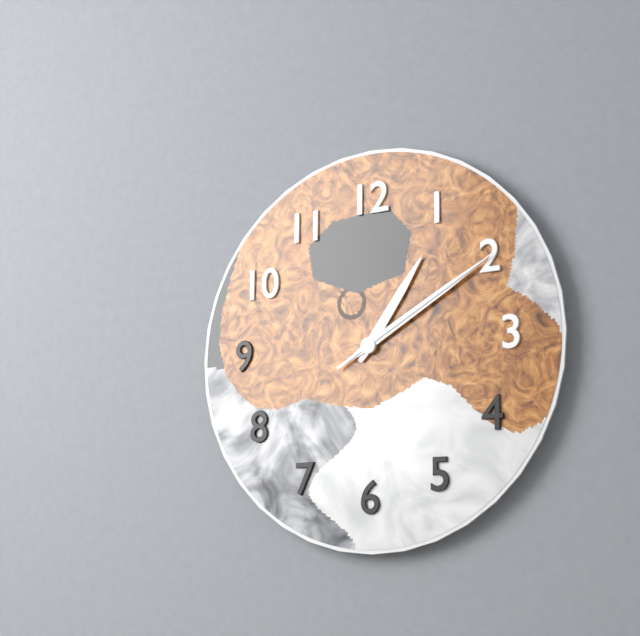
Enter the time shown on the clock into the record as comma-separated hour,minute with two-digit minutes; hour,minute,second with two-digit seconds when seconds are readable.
1,10,10
